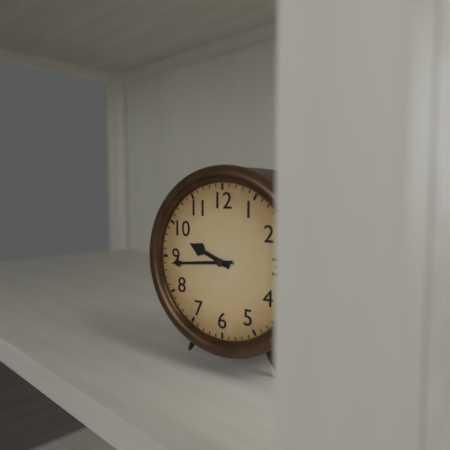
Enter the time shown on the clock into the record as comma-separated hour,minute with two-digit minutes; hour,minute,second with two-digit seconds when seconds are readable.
9,44
